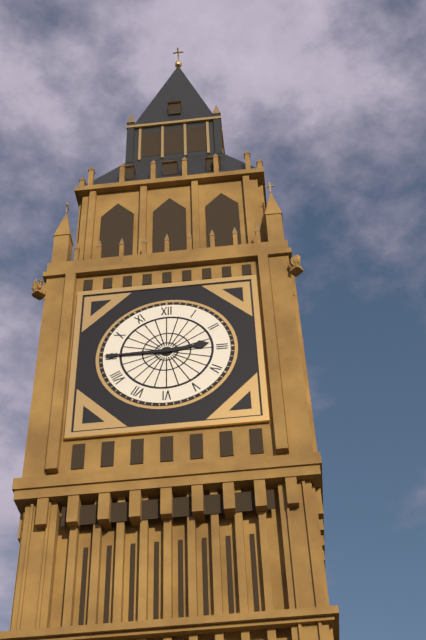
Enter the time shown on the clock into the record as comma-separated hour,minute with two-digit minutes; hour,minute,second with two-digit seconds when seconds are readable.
2,45
